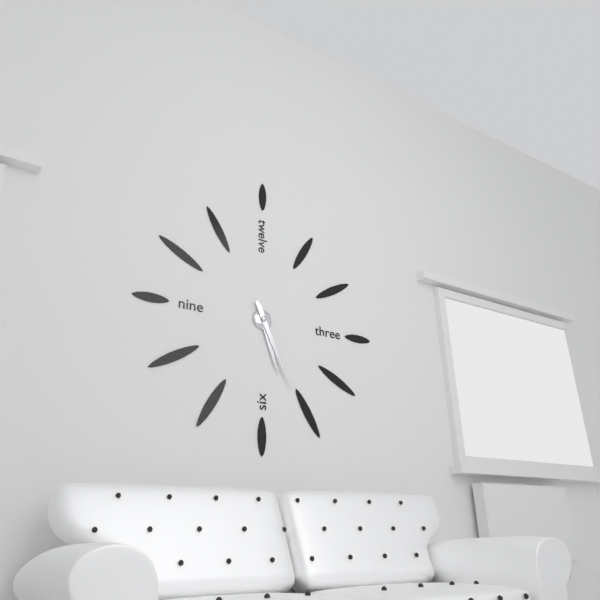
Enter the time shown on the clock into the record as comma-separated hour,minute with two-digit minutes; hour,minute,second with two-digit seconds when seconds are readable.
5,26
